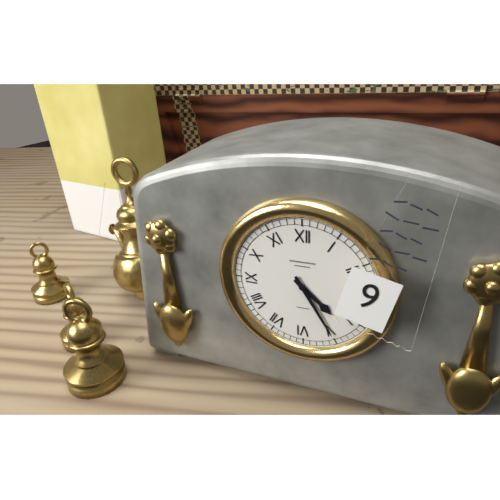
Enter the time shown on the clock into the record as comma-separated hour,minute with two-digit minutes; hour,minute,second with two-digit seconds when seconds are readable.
4,25
